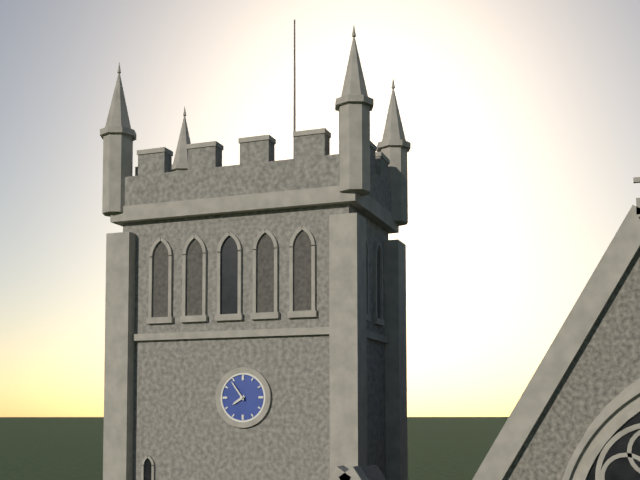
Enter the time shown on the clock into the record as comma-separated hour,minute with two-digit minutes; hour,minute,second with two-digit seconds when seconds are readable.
7,54
